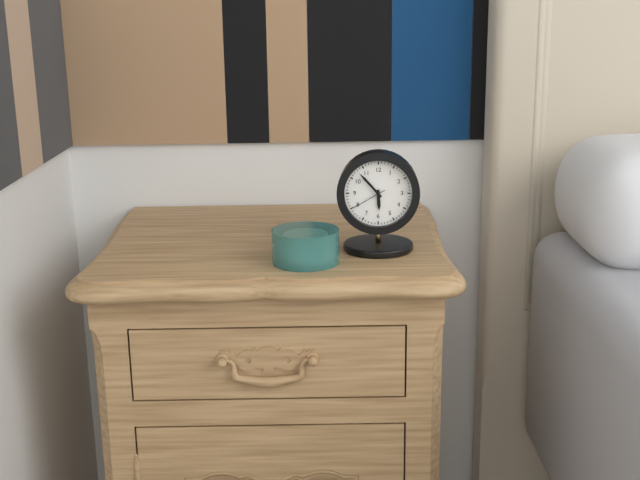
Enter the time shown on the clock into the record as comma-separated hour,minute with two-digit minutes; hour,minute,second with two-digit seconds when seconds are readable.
5,53
